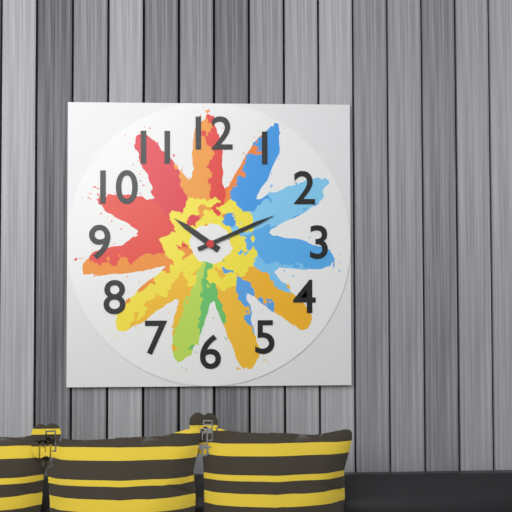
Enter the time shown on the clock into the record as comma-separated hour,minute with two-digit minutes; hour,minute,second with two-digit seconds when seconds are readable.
10,11
